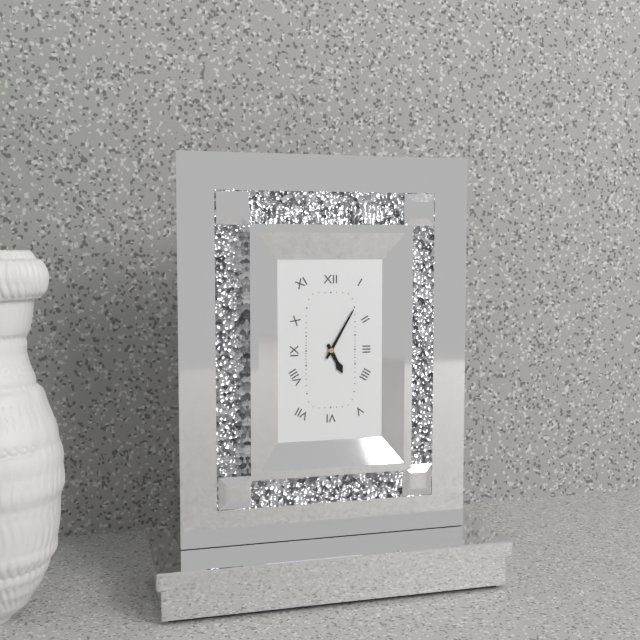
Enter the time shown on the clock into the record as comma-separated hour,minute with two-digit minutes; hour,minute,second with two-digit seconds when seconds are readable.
5,05
